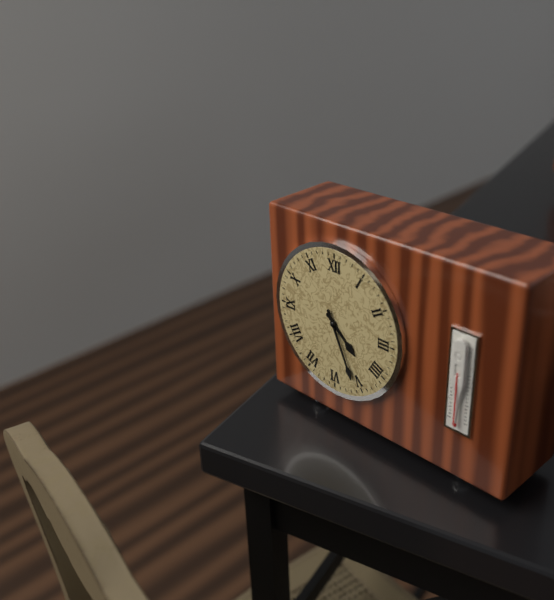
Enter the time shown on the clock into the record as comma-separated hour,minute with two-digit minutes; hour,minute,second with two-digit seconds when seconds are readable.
4,26
